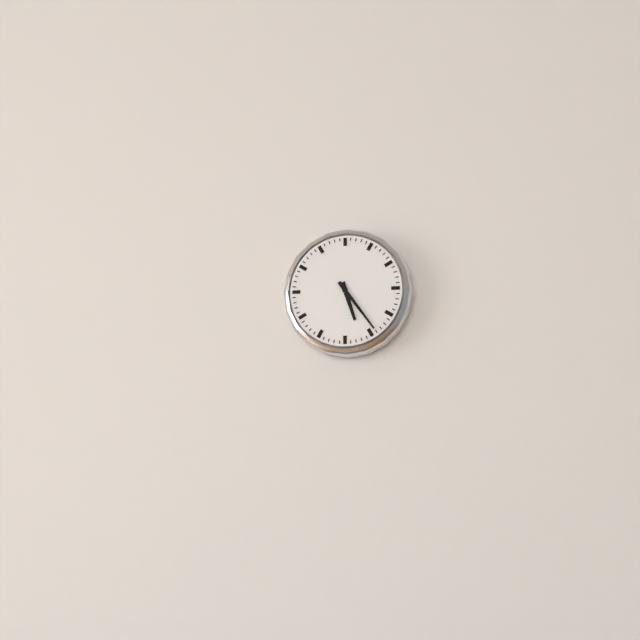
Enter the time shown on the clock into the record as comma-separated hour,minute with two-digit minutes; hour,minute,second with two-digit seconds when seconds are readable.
5,24
